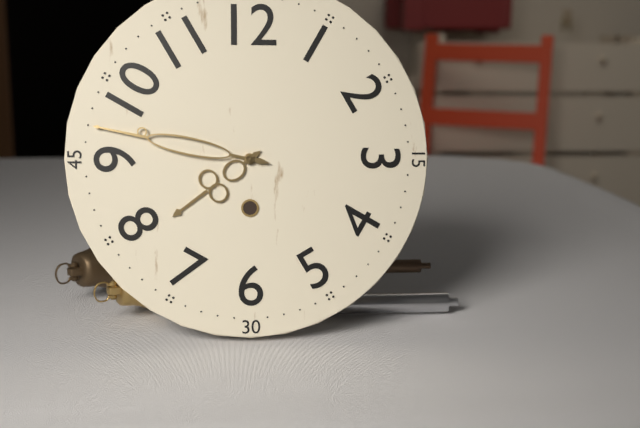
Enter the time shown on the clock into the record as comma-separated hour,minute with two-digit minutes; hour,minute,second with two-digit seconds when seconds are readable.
7,47
